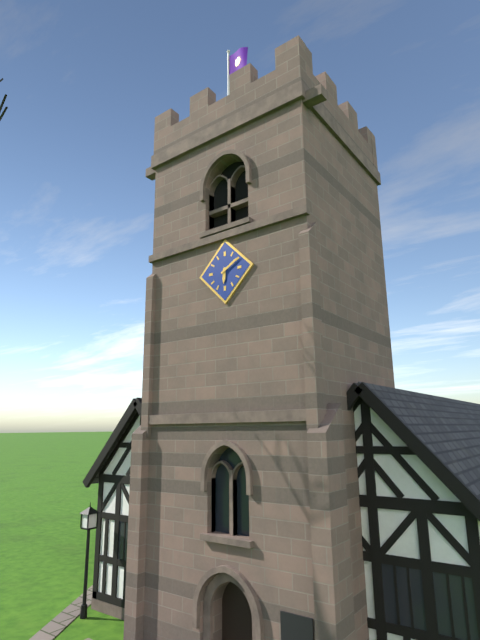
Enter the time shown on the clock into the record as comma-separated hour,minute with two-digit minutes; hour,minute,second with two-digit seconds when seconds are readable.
6,10
